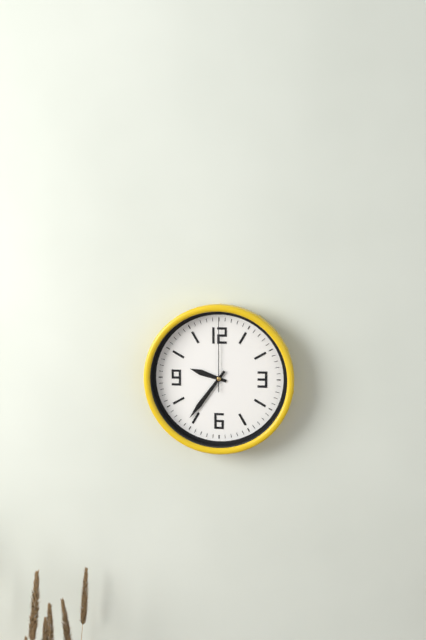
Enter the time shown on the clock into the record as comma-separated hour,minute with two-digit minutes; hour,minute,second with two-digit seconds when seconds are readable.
9,36,00
